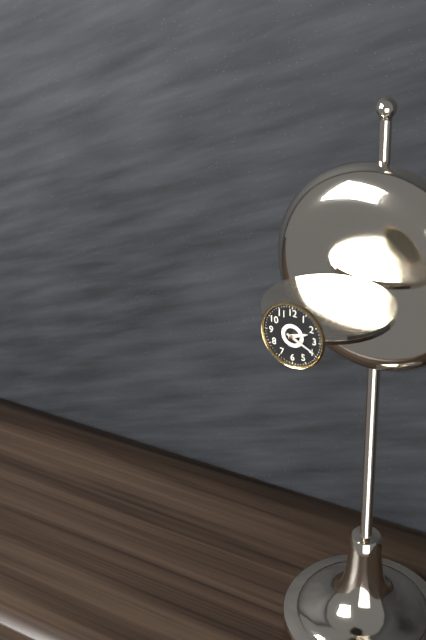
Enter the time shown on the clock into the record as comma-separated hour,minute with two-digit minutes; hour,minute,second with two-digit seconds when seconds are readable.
2,19
